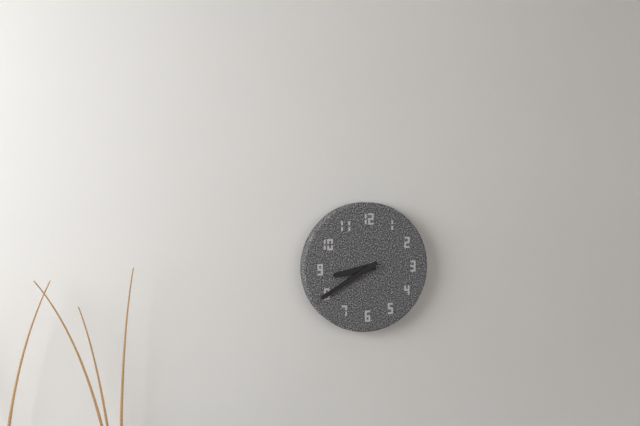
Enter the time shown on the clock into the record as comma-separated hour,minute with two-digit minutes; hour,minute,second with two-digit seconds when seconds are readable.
8,40
